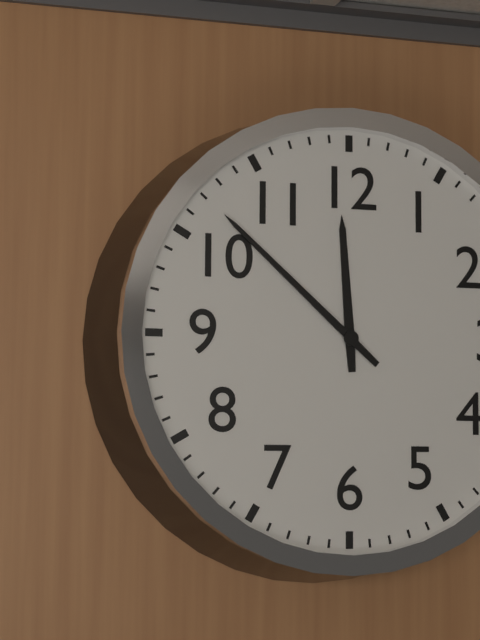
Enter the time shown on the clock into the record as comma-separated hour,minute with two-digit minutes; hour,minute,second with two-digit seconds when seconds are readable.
11,52
